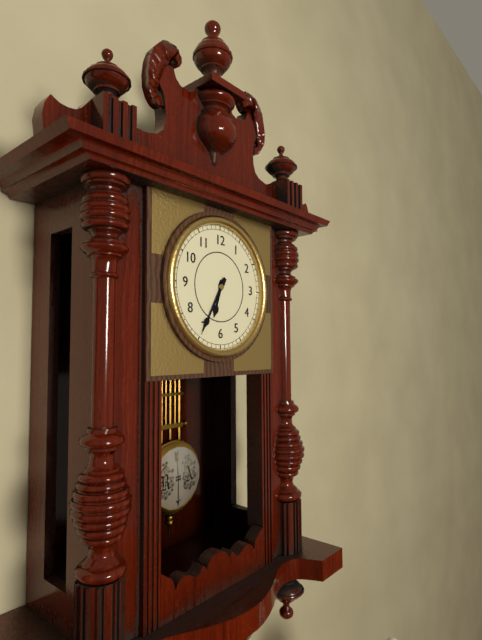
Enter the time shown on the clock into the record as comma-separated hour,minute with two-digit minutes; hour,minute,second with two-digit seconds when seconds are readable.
6,35
